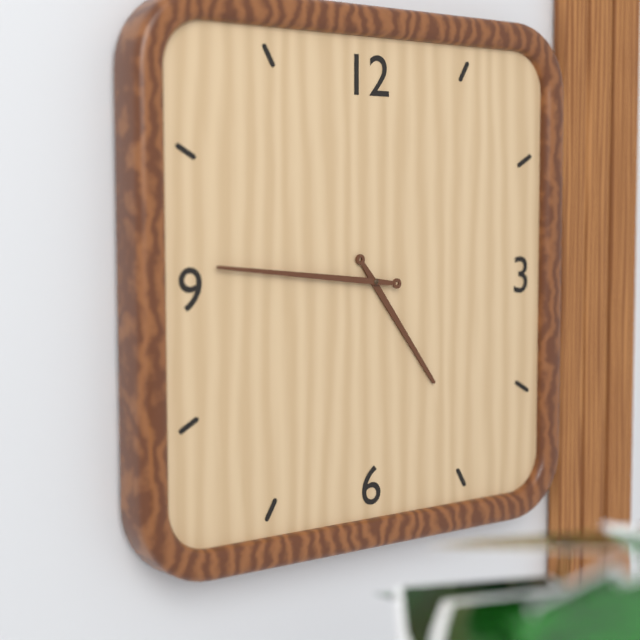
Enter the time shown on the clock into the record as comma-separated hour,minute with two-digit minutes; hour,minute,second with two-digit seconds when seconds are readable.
4,46
